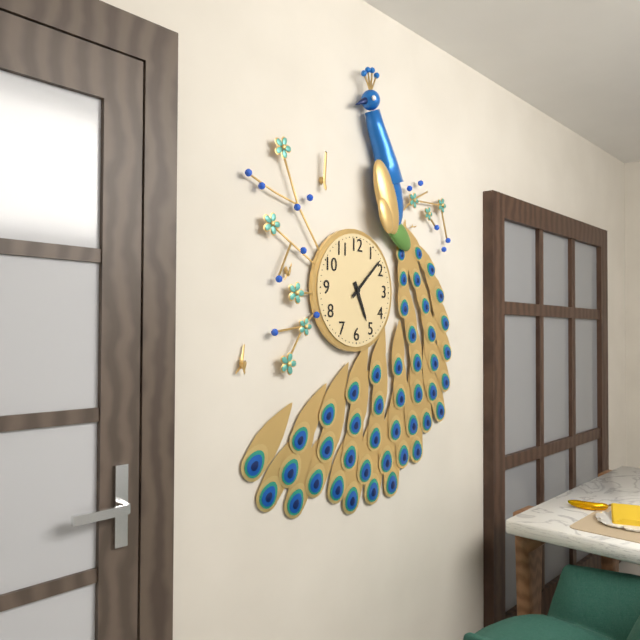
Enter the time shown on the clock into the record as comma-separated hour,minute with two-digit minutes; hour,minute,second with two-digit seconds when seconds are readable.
5,08
